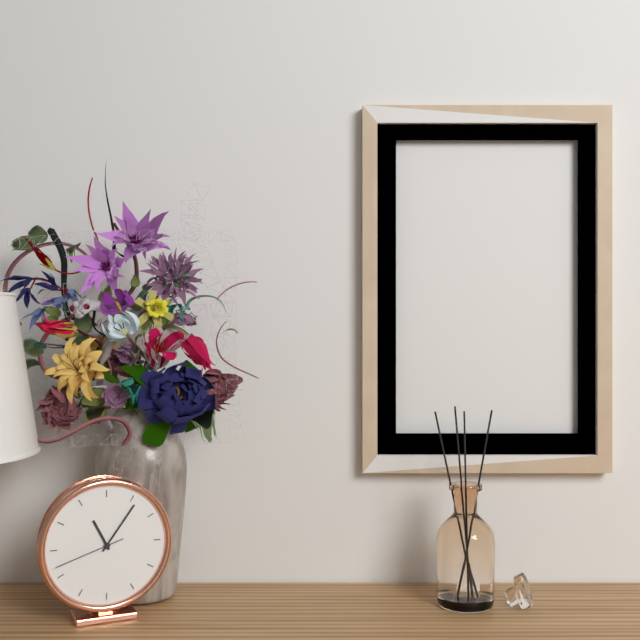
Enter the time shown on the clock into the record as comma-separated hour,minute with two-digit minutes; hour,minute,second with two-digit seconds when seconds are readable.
11,06,42
